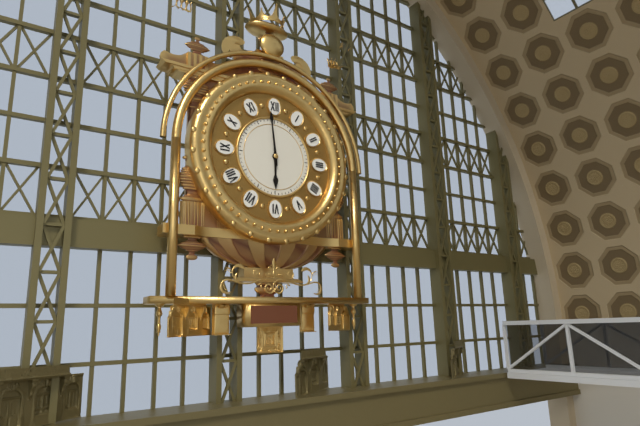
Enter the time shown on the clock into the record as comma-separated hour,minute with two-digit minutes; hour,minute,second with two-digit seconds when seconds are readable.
5,59
